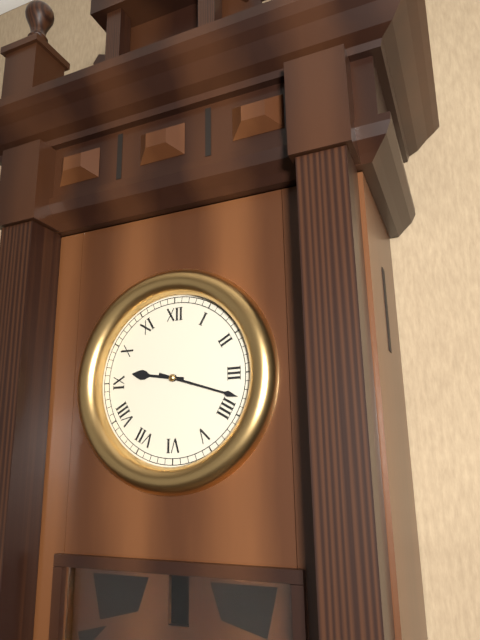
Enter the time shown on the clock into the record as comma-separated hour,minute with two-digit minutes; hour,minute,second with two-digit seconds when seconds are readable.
9,18
